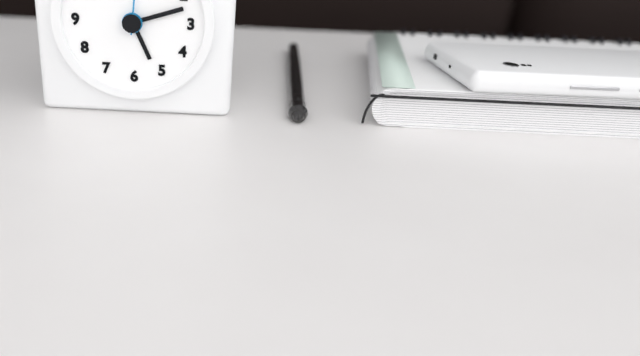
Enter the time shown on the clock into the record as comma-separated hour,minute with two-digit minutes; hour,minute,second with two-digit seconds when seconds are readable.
5,12
